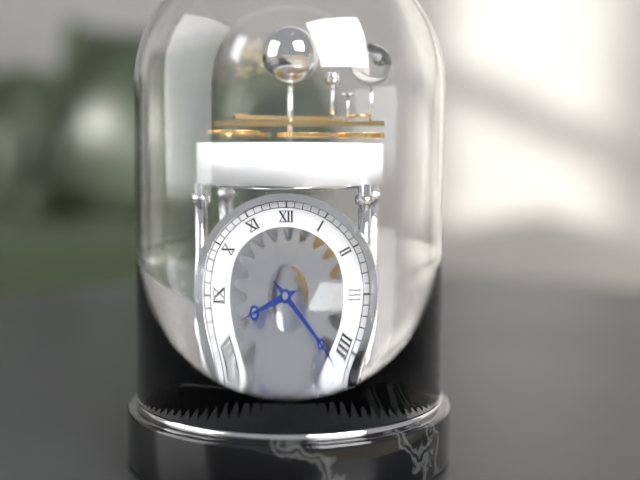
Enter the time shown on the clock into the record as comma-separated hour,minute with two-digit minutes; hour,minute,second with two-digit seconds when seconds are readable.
8,22
